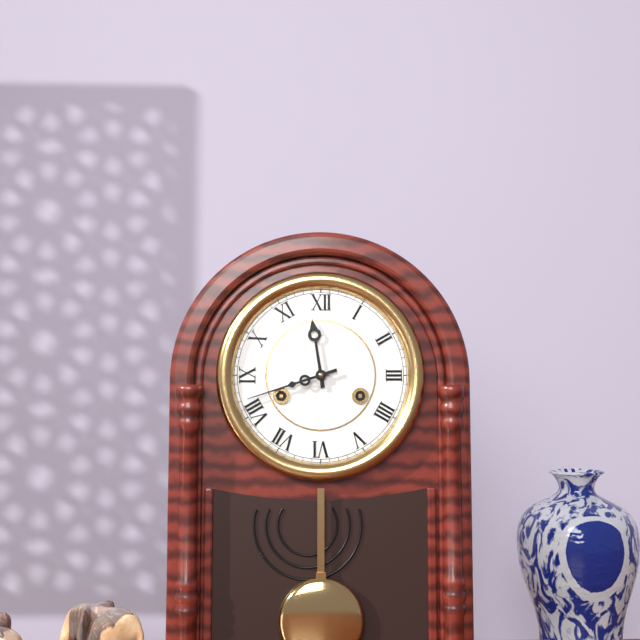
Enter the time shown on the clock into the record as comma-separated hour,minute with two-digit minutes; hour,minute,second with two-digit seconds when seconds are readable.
11,42
